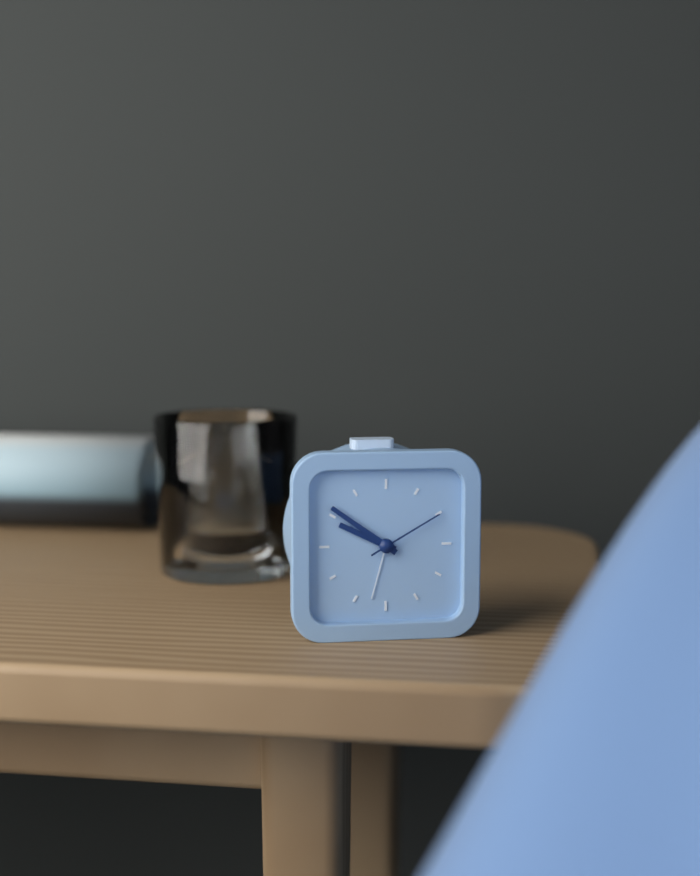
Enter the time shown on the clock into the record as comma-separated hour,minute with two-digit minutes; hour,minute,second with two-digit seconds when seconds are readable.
9,51,10
